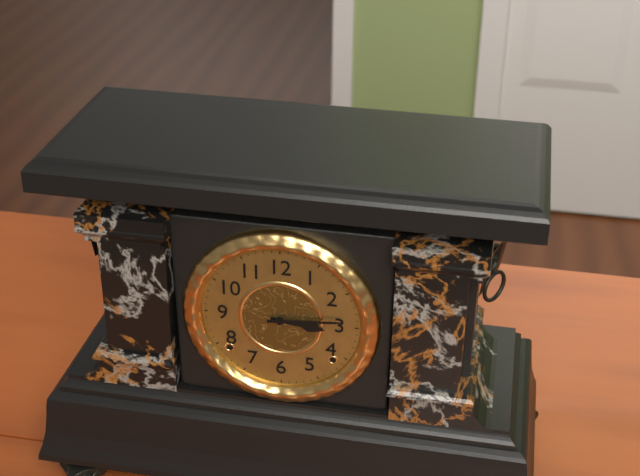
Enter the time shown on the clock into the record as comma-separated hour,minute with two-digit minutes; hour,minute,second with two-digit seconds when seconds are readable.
3,14
